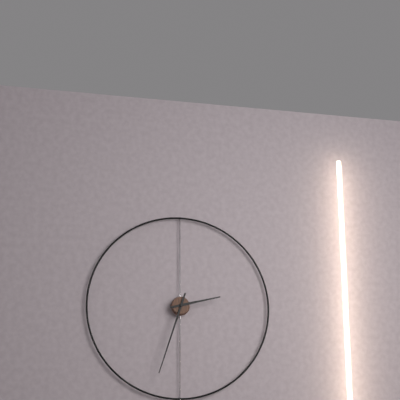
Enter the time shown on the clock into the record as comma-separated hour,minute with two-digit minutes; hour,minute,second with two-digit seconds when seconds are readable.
2,33
